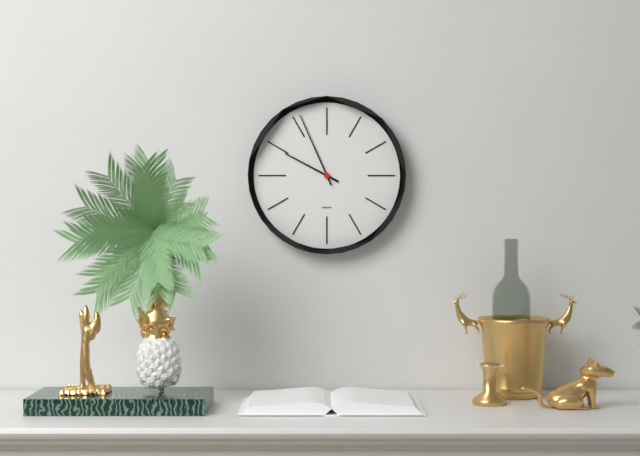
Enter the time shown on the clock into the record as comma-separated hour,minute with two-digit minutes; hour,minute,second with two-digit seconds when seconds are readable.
9,56
